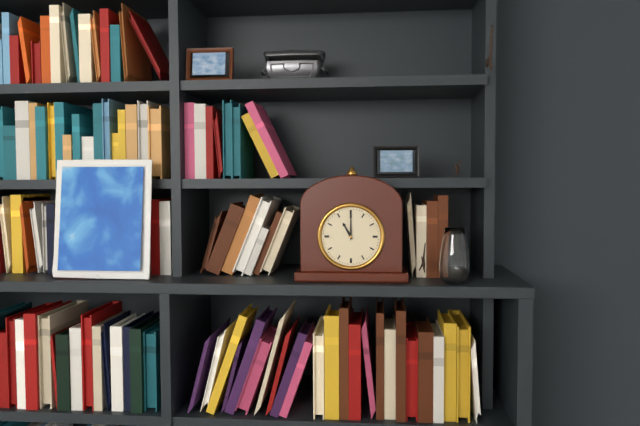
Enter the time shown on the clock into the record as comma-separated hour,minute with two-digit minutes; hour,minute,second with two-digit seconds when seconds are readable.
11,00
